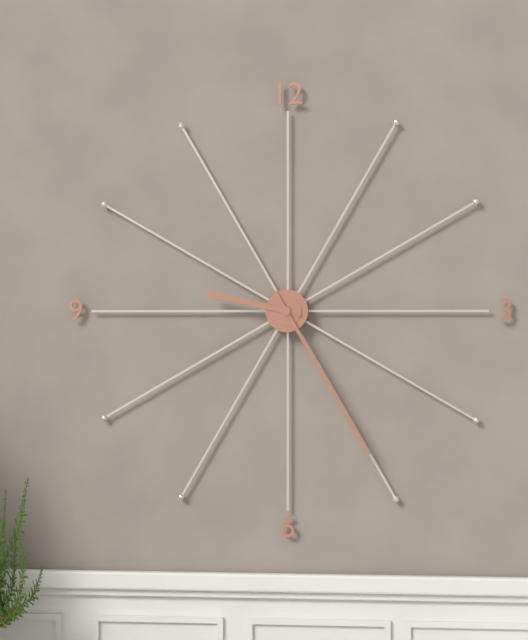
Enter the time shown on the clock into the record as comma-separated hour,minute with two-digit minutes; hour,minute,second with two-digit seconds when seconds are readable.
9,25
